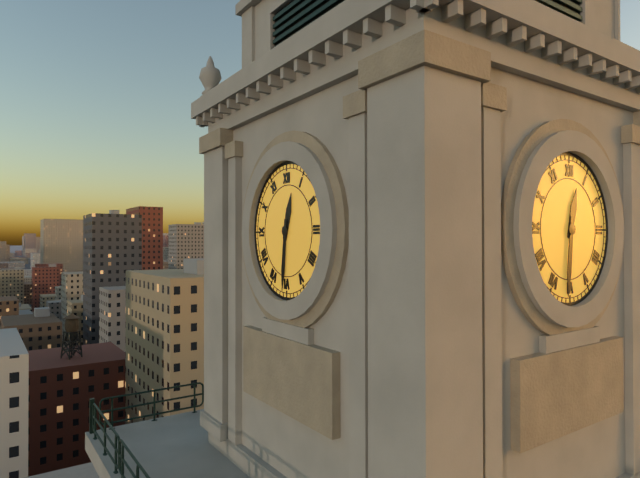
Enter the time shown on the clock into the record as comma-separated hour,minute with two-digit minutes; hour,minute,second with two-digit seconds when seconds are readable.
12,31
